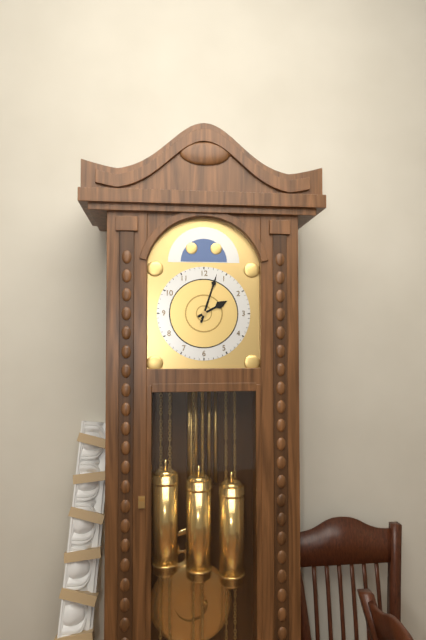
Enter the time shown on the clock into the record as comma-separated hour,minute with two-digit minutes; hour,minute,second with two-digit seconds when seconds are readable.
2,03
